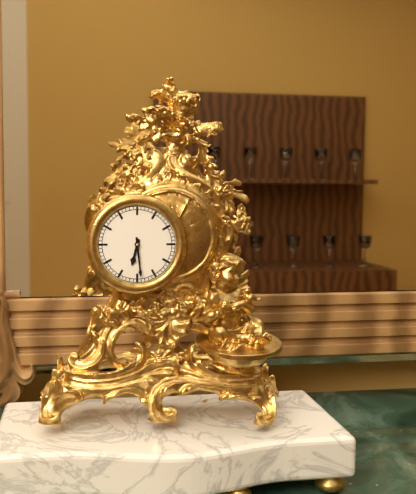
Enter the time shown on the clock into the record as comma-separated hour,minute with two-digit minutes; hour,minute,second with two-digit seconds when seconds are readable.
6,29
